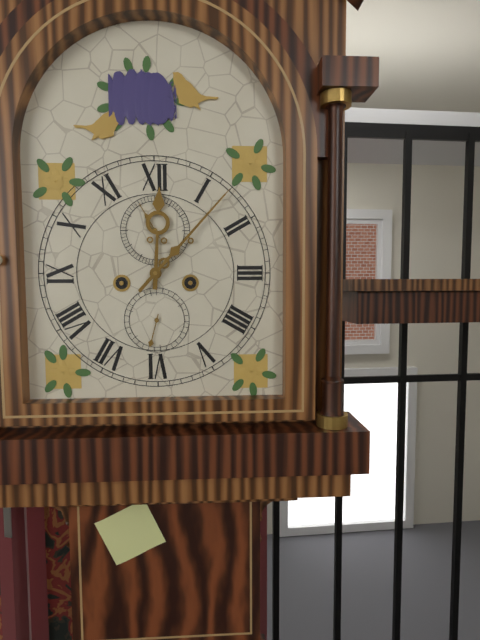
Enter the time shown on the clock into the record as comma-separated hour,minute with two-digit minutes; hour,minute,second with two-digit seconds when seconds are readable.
12,07
